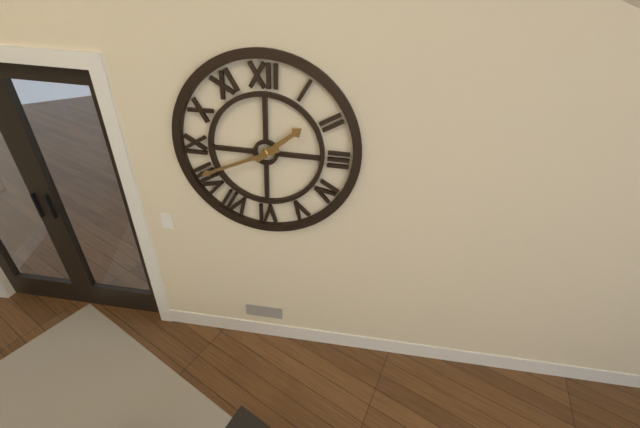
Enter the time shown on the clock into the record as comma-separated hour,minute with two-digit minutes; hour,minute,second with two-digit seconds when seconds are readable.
1,41
